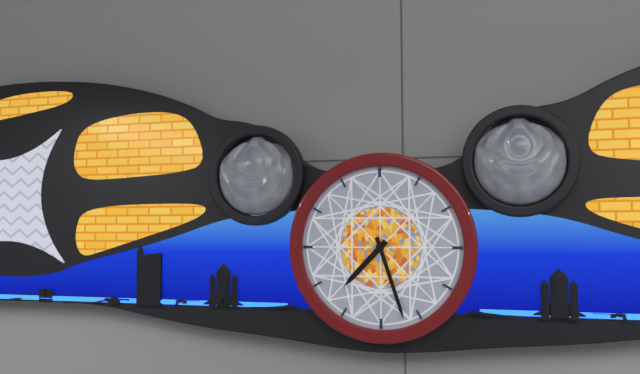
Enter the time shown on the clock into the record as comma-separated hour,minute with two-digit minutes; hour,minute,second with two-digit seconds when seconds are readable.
7,27
